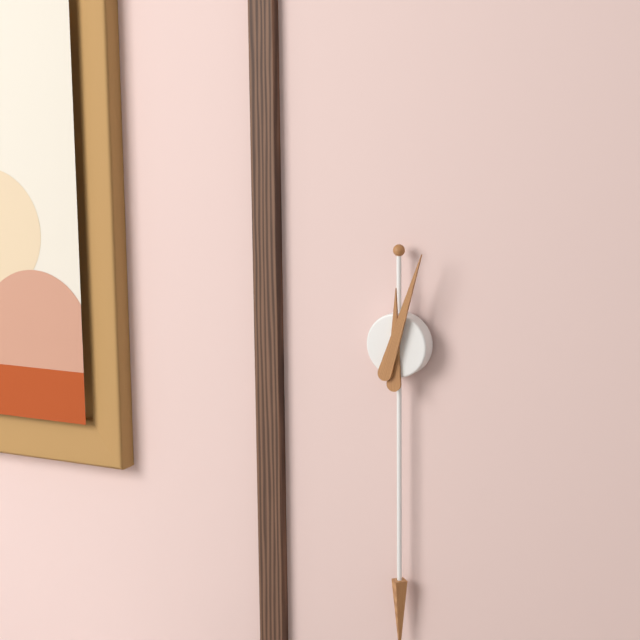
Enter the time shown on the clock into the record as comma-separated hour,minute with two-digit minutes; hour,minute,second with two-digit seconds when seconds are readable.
12,03
